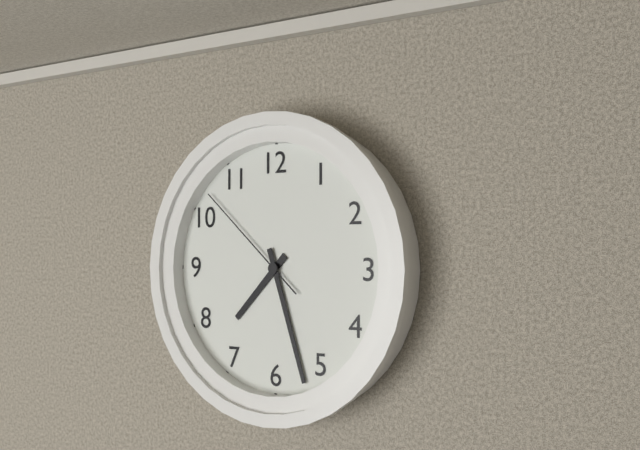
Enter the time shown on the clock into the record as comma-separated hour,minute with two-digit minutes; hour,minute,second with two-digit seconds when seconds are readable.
7,27,52
